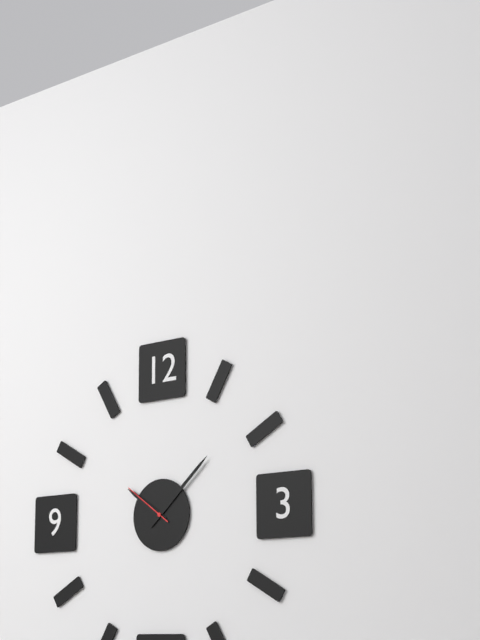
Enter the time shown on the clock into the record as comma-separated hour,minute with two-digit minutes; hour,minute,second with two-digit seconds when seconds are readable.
10,08,51
